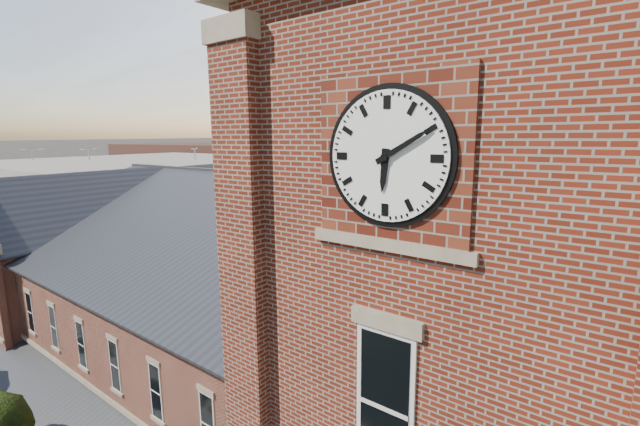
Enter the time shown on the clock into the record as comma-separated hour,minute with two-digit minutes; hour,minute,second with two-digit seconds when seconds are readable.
6,10
